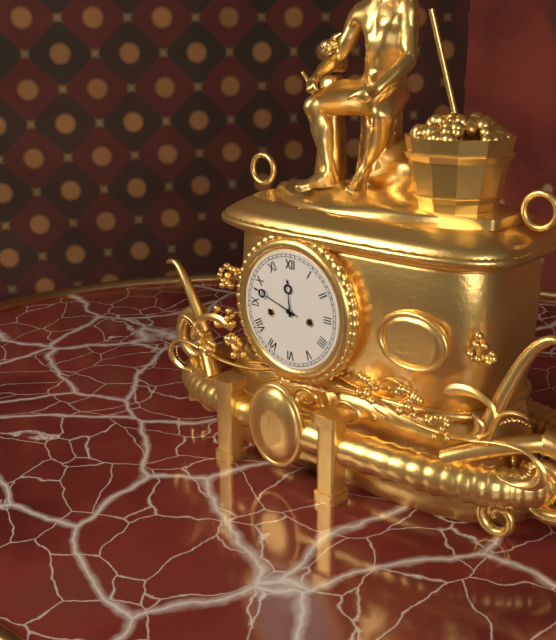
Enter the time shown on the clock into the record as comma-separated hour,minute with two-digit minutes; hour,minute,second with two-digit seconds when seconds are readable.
11,48
